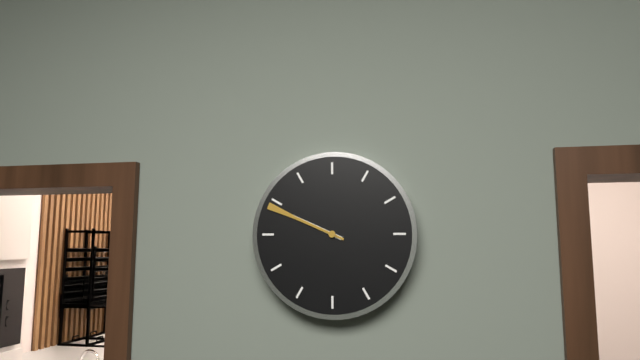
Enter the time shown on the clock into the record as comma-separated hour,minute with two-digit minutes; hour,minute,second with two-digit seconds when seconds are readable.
9,49
